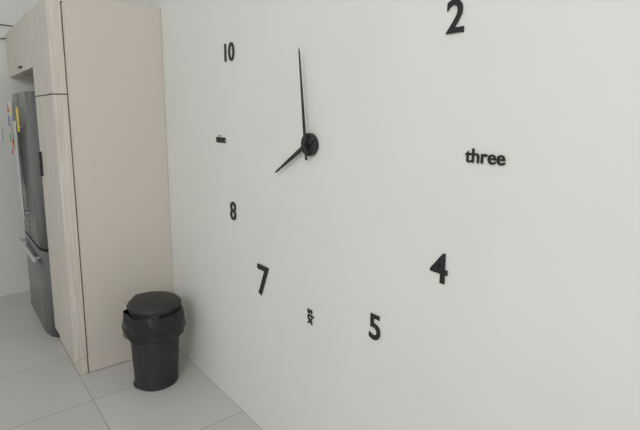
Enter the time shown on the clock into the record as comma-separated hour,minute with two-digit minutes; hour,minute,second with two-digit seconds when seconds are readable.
7,59
